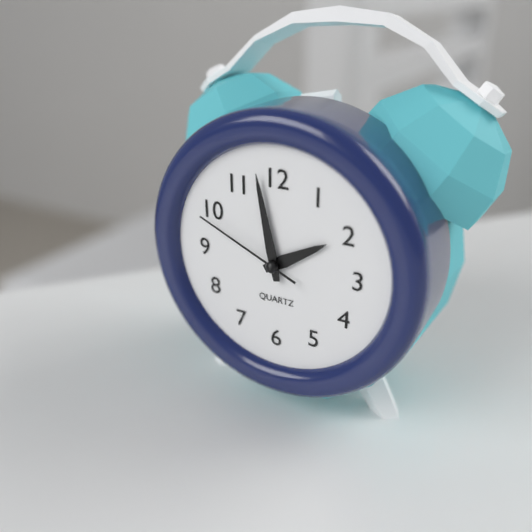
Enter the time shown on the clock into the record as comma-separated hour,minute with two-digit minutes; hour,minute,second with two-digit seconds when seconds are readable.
1,58,49
